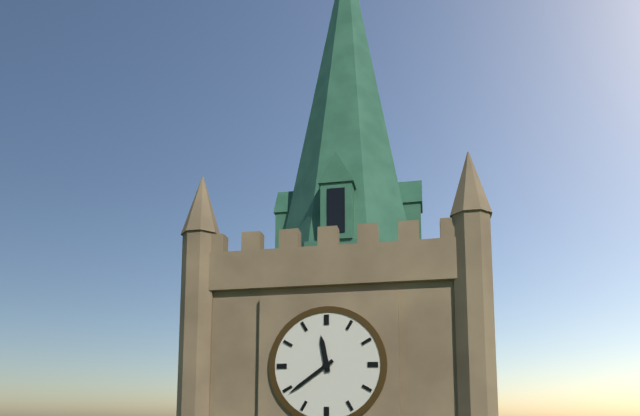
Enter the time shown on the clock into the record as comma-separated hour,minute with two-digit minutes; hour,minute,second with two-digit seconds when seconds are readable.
11,39
